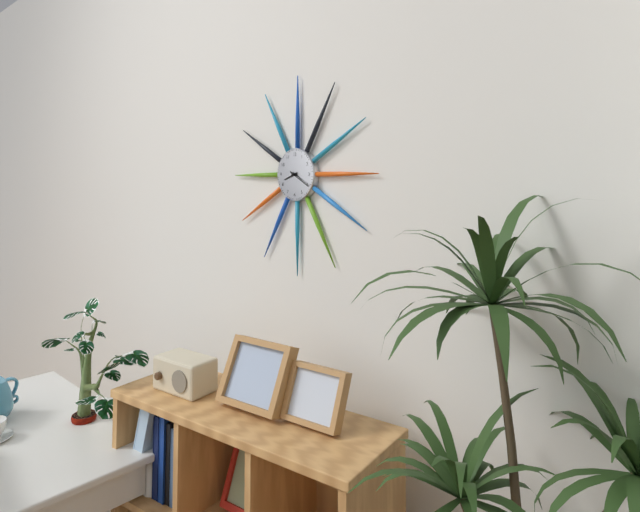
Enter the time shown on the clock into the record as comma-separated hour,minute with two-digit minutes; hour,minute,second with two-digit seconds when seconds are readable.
8,20
